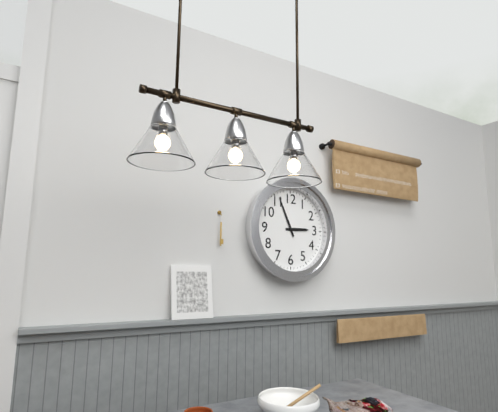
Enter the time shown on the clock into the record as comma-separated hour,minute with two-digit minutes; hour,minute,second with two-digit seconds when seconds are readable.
2,56
